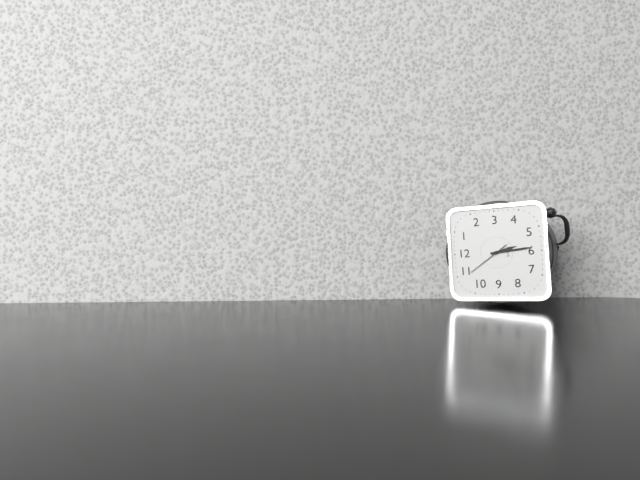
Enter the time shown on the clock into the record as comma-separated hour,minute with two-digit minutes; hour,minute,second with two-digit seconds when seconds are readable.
5,29
